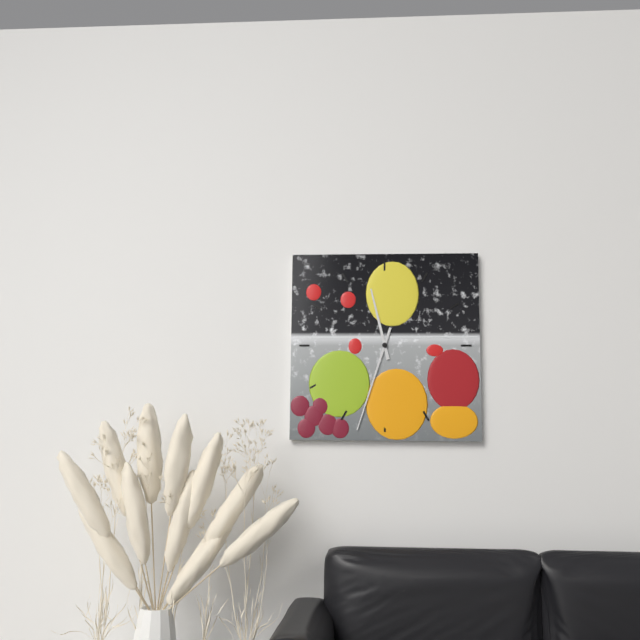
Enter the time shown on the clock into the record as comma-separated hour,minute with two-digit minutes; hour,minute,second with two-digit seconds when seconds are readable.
11,33
